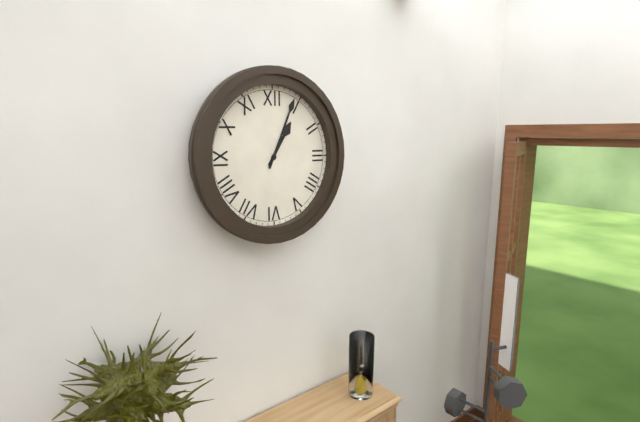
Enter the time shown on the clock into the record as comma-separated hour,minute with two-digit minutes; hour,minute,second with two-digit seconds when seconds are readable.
1,04
